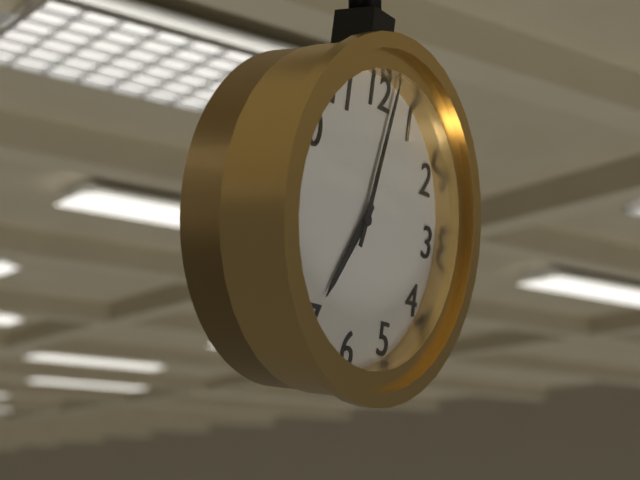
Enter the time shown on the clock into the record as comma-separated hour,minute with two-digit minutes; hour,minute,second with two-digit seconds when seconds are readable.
7,02
